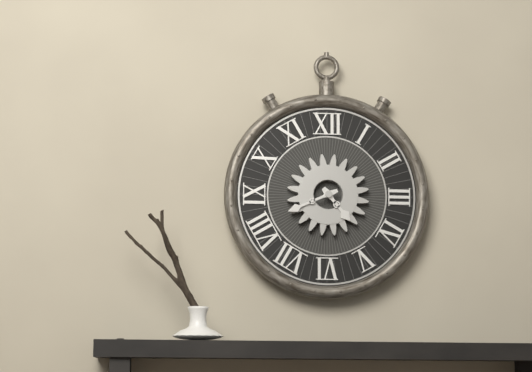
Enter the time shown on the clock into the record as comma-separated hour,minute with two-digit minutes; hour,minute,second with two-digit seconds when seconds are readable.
4,41
